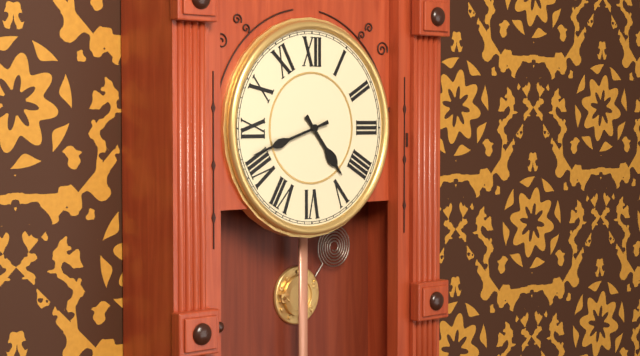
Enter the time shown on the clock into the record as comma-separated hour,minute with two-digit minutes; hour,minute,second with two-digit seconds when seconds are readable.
4,42
